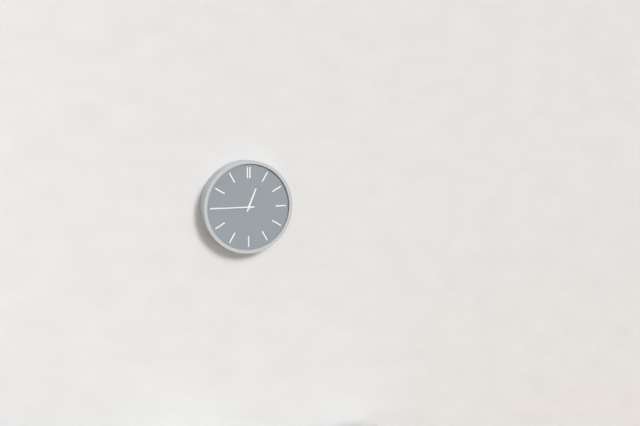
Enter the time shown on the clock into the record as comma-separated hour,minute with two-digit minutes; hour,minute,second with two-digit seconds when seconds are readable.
12,45
